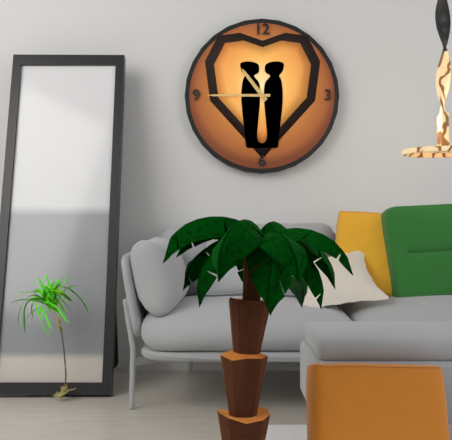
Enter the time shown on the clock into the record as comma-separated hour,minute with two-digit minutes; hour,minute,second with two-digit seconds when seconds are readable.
10,45
